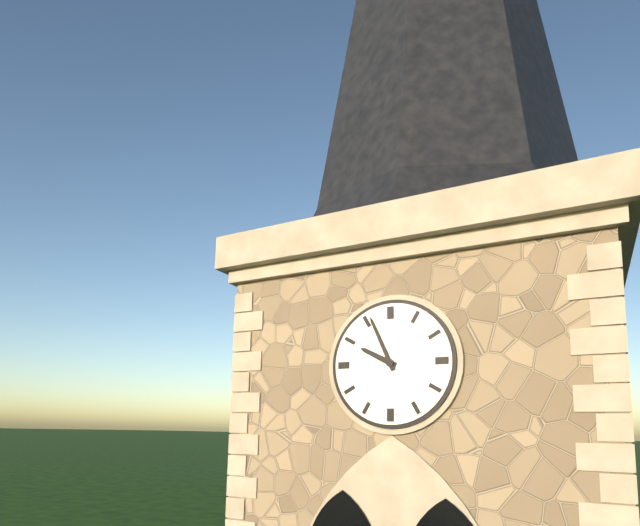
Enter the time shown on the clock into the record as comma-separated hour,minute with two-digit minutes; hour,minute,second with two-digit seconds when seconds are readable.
9,56
